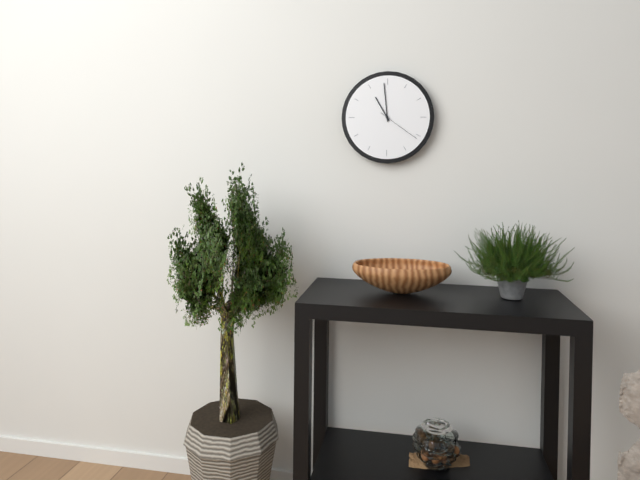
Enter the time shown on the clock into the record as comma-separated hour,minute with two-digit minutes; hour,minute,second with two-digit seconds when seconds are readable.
10,59
